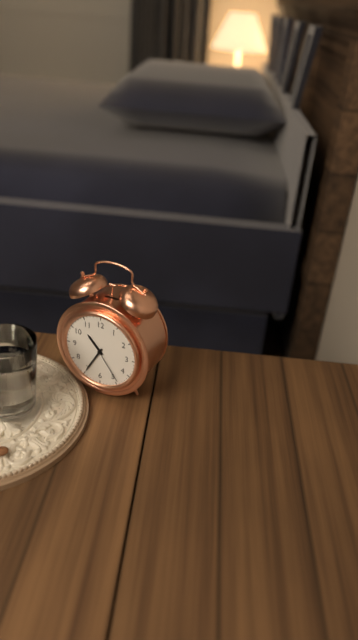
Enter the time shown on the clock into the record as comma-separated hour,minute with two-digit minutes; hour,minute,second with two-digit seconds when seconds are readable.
10,35
